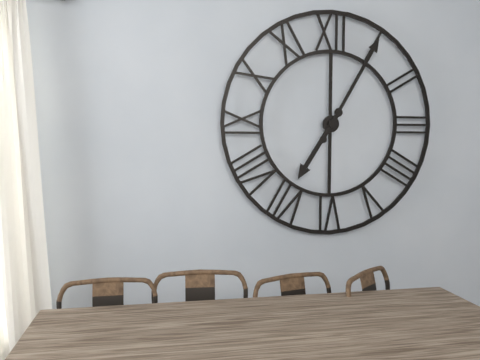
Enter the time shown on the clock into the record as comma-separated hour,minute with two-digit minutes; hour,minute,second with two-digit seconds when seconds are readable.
7,05
